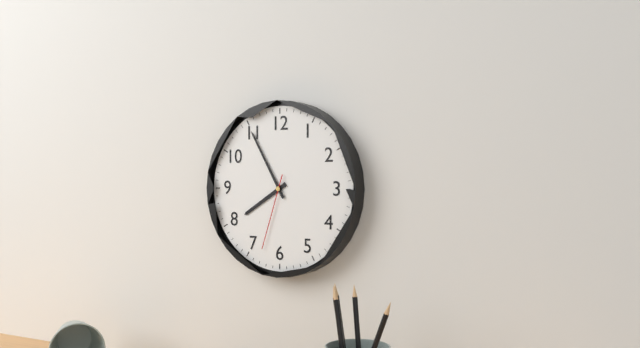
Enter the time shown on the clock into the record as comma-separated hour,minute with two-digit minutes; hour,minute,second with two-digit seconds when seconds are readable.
7,55,33
